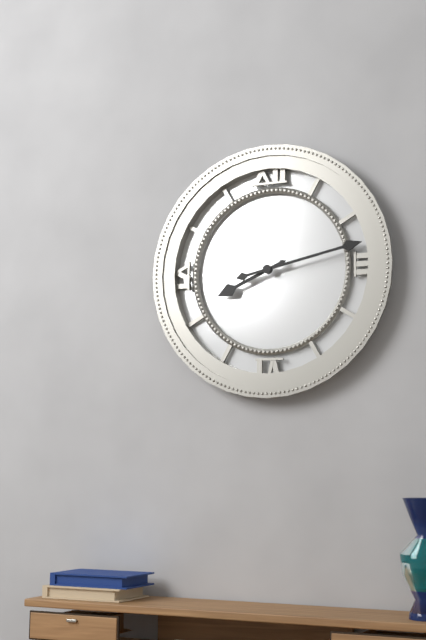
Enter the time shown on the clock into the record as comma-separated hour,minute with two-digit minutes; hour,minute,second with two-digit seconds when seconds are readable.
8,13
